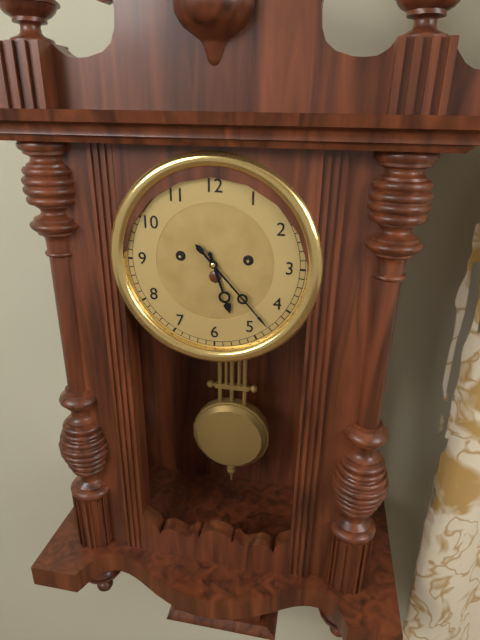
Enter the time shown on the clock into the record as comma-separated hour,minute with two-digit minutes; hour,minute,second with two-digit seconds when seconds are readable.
5,23
